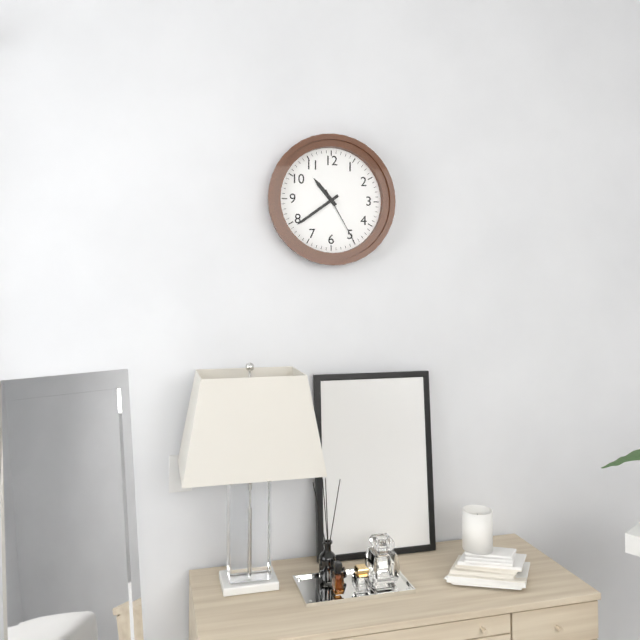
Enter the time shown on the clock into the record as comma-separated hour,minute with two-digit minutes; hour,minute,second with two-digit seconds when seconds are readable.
10,39,25
